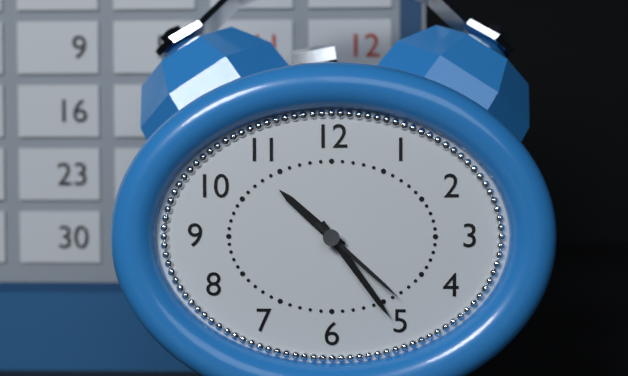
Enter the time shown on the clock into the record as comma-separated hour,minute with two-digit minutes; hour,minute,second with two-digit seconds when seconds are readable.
10,24,22
